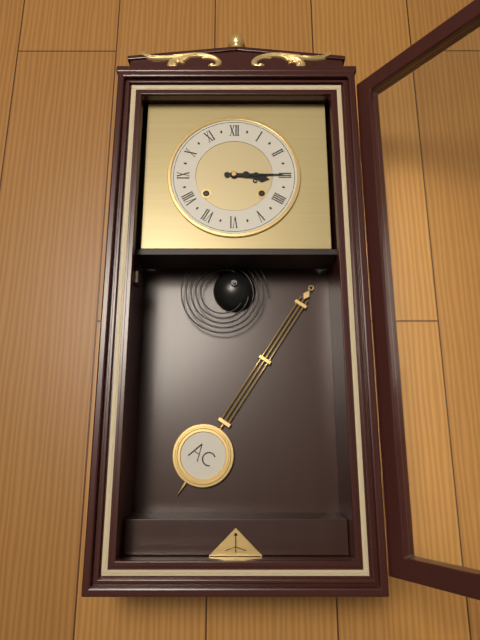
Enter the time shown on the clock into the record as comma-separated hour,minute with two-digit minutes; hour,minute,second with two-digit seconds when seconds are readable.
3,15
